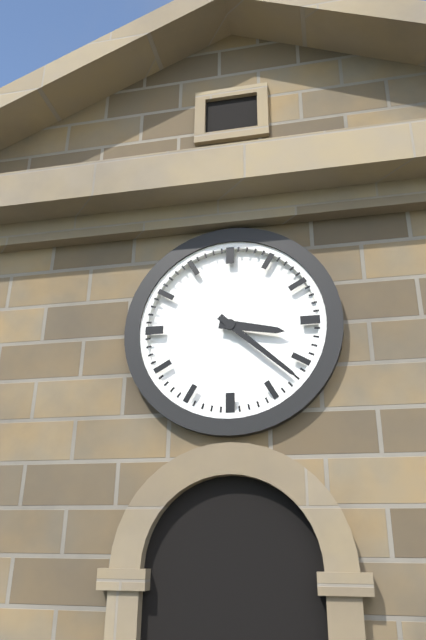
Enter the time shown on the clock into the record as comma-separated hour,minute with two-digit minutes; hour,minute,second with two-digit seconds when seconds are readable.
3,22
